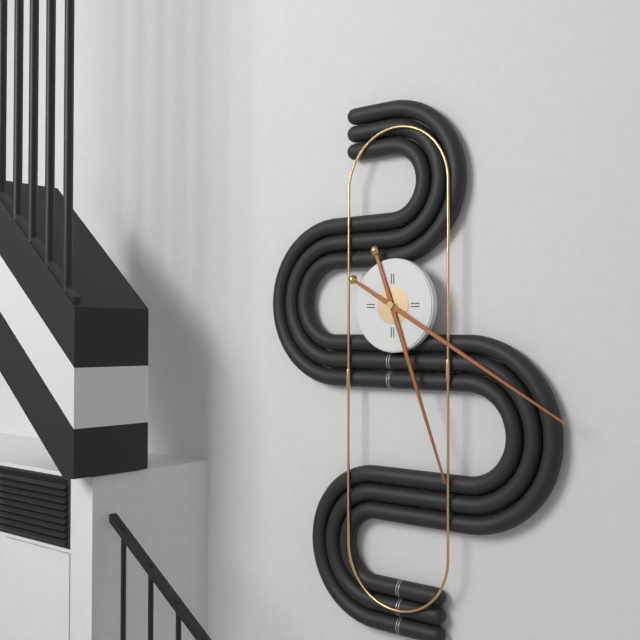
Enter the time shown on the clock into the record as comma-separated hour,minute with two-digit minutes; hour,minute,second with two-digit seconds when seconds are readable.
5,20
